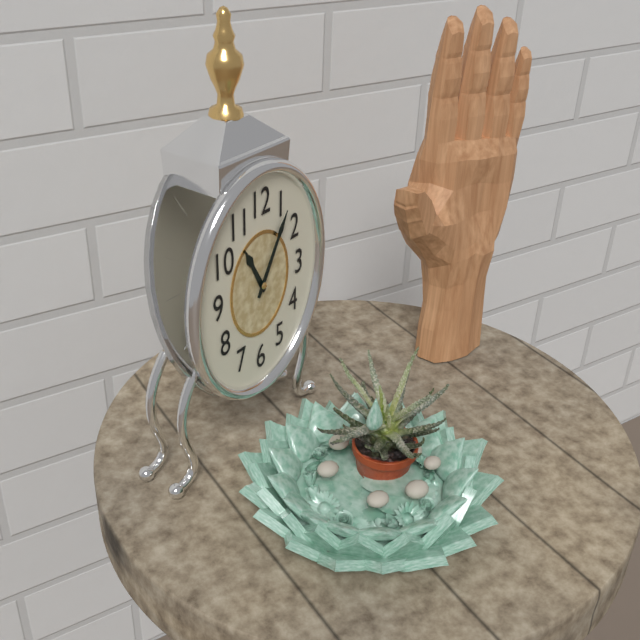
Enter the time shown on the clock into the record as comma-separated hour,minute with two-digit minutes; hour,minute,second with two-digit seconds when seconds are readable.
11,05
